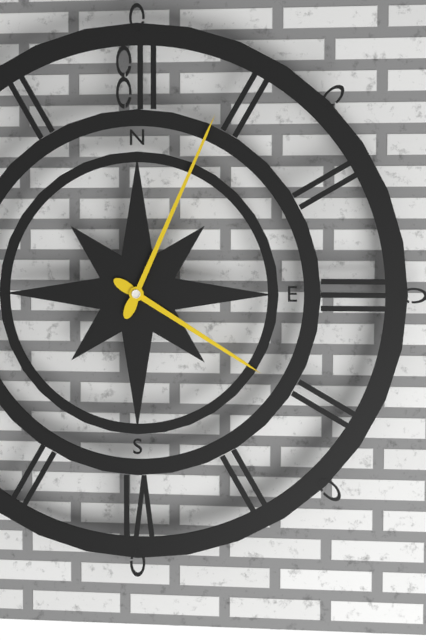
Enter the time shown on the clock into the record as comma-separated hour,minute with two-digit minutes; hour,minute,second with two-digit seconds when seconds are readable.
4,04
